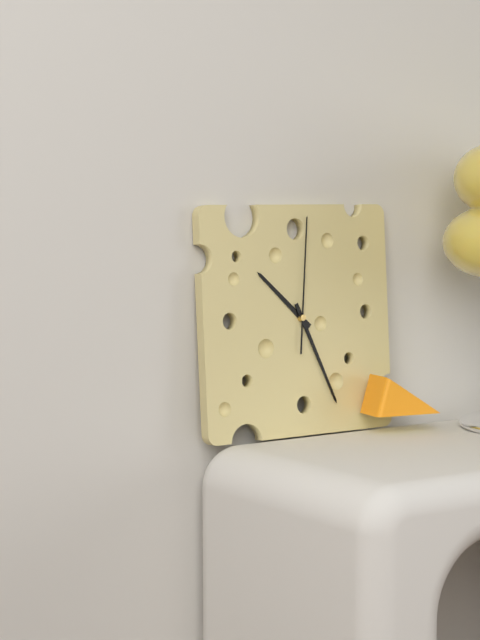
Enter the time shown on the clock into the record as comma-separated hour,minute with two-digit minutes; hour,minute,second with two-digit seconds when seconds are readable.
10,26,01
